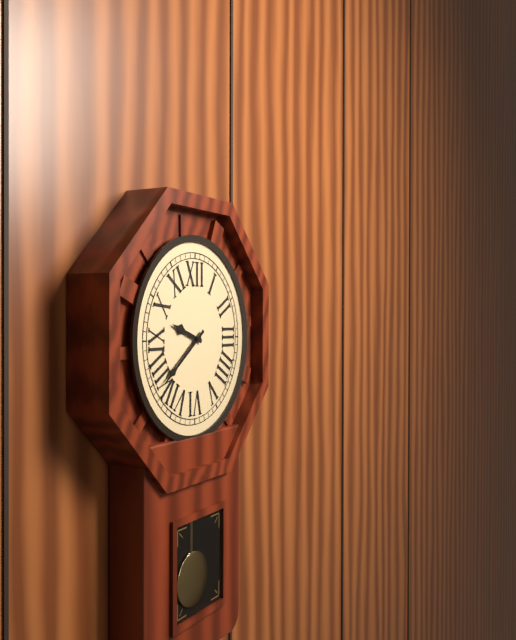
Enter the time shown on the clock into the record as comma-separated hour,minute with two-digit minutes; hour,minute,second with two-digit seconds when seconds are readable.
9,39
